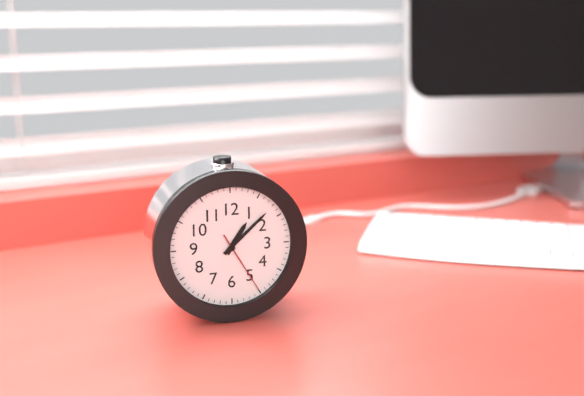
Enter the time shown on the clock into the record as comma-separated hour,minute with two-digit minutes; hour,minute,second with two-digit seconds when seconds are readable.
1,08,25
